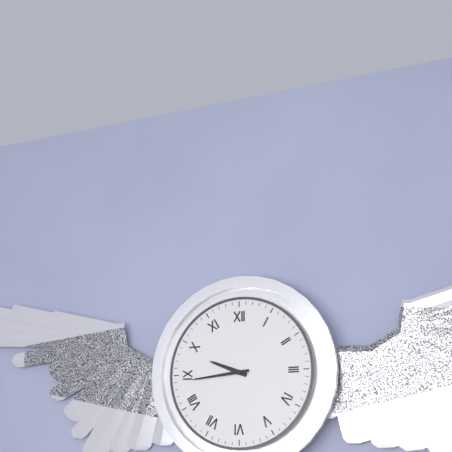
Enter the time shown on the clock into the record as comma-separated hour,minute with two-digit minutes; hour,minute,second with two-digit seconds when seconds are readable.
9,44
